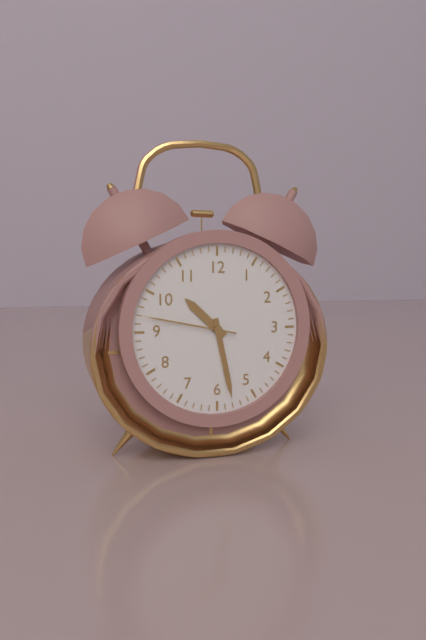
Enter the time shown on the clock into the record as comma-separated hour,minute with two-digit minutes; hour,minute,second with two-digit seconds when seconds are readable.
10,28,47
